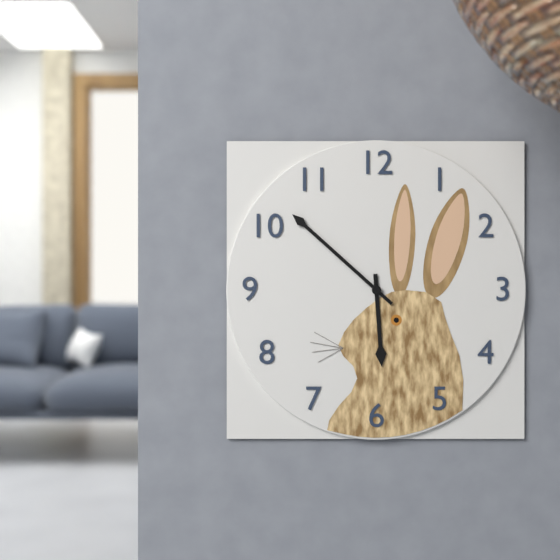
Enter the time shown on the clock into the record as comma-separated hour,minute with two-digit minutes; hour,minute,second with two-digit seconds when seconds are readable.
5,52
